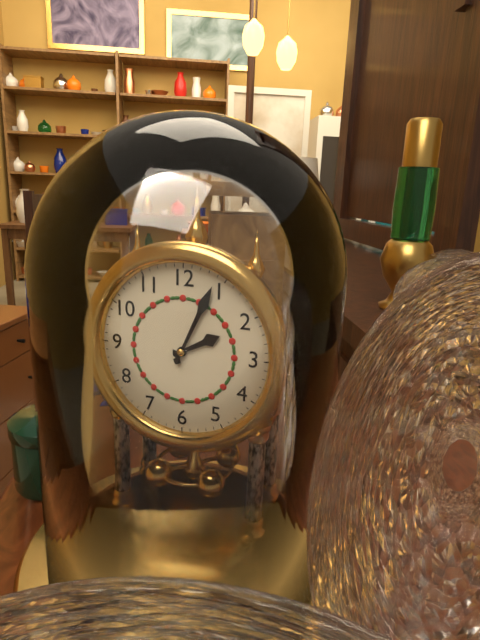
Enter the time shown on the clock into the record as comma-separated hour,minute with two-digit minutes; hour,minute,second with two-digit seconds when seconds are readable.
2,04
